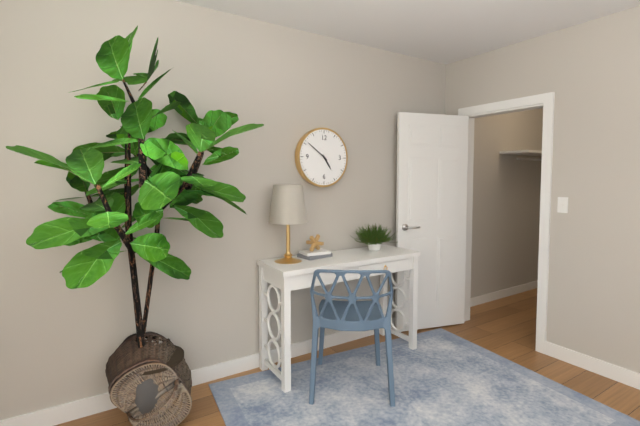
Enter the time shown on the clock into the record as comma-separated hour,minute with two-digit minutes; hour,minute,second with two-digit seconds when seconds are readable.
4,51
